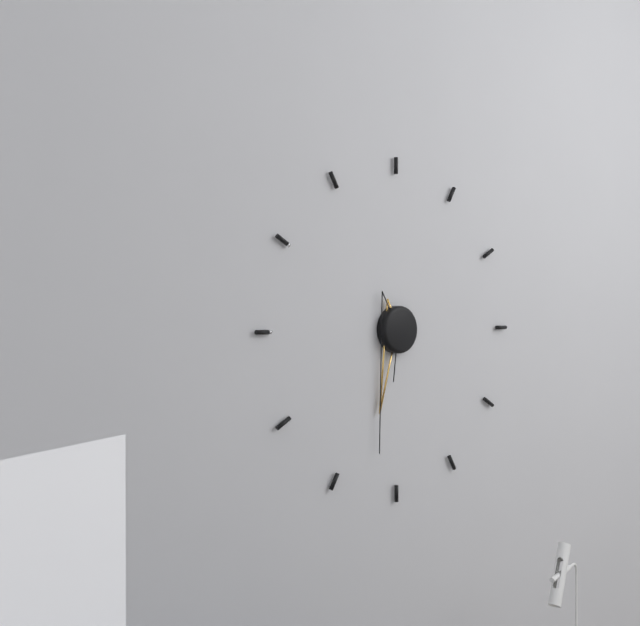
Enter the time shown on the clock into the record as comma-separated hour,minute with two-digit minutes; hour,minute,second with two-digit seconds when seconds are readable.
6,32
